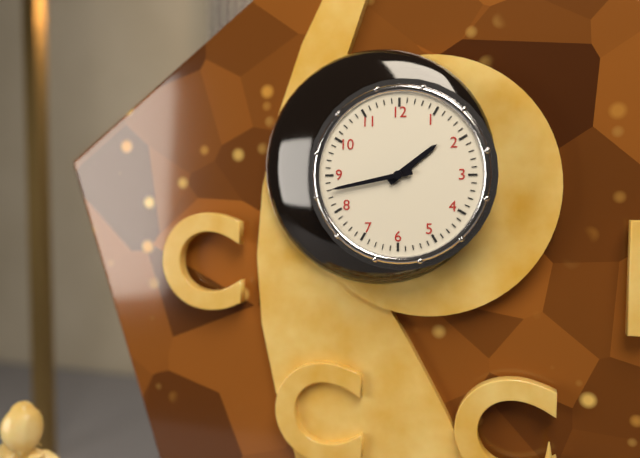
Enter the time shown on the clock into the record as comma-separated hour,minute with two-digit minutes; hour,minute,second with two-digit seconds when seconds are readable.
1,43
